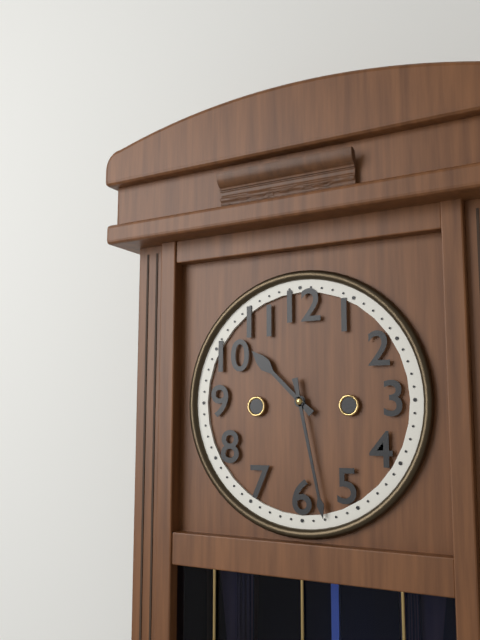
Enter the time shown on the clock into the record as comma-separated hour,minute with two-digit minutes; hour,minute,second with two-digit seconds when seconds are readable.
10,28
